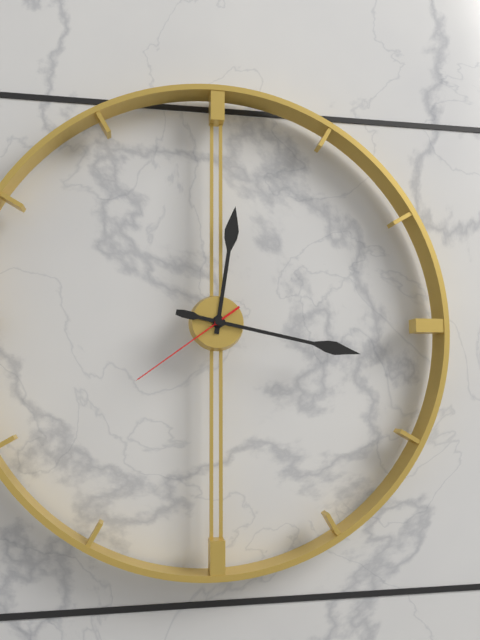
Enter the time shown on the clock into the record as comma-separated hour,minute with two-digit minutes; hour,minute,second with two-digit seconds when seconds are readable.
12,17,39
